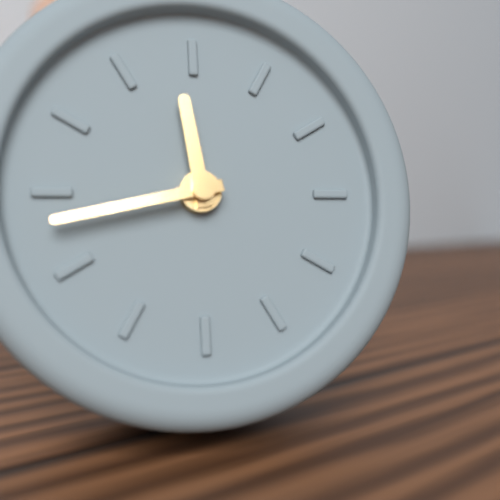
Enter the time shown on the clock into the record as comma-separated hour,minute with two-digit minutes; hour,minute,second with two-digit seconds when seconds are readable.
11,43
